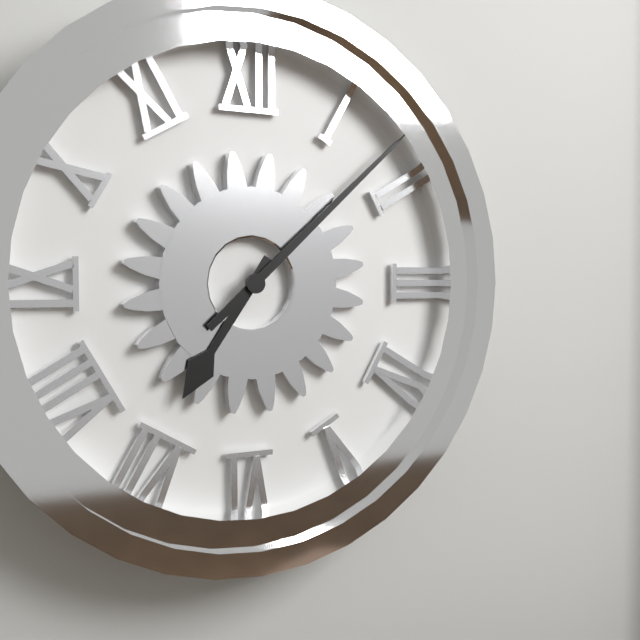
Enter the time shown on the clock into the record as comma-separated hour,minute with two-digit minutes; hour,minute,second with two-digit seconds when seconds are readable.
7,08
